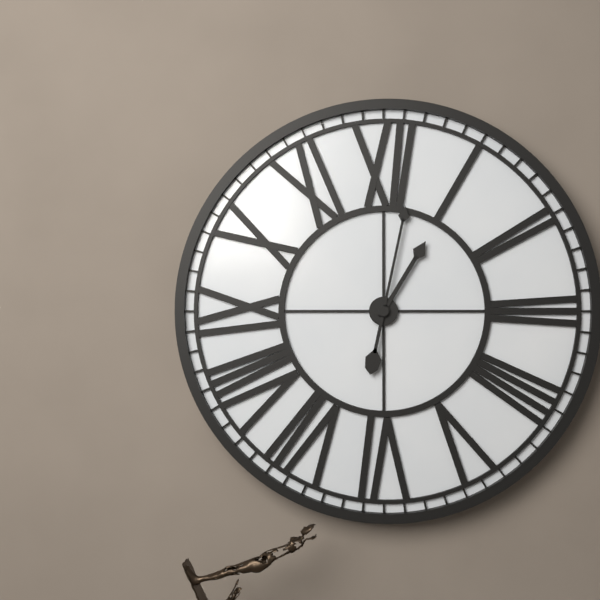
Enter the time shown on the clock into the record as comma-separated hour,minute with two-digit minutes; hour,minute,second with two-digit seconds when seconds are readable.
1,02
